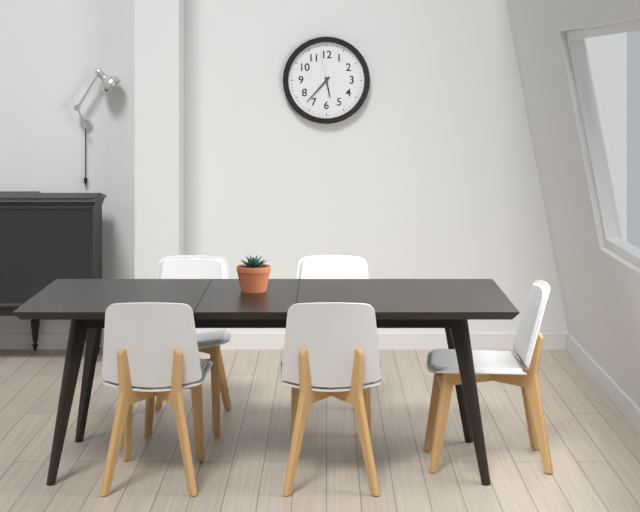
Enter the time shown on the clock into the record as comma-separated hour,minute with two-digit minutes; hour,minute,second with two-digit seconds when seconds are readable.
5,37
